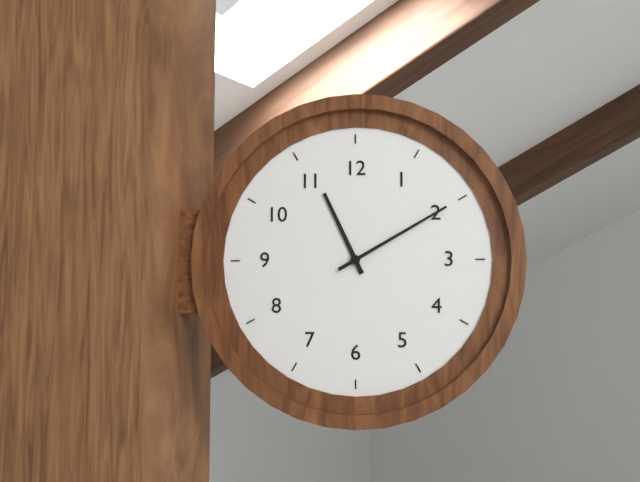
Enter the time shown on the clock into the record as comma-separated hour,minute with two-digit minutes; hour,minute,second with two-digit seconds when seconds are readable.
11,10
